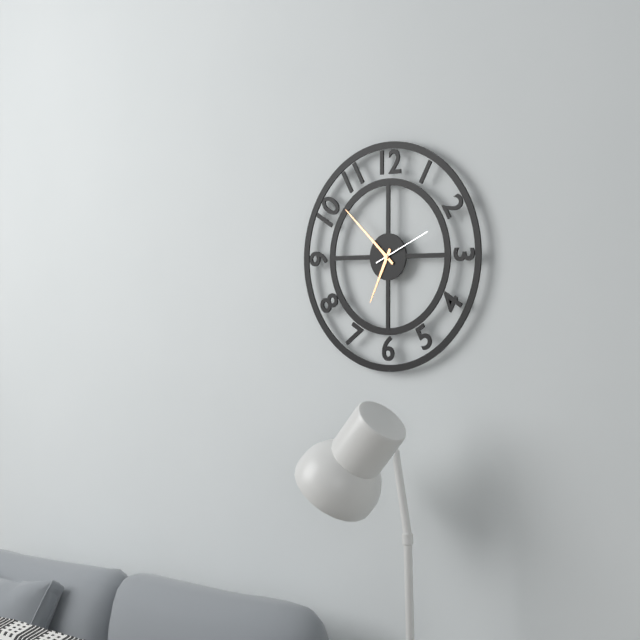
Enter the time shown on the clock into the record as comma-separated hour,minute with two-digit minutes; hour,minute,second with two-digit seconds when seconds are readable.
6,52,11
